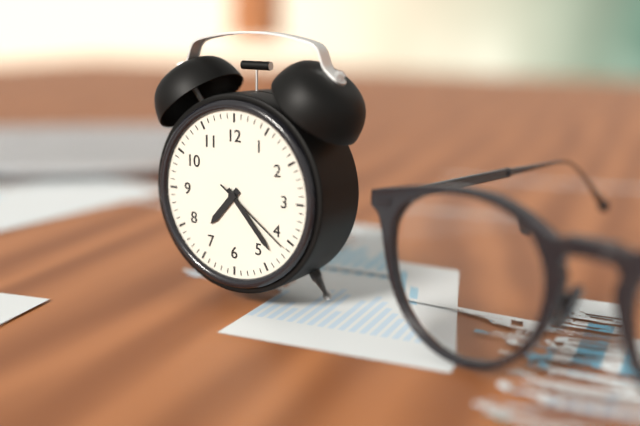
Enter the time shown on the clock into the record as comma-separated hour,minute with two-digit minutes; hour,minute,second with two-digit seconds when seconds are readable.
7,23,21
